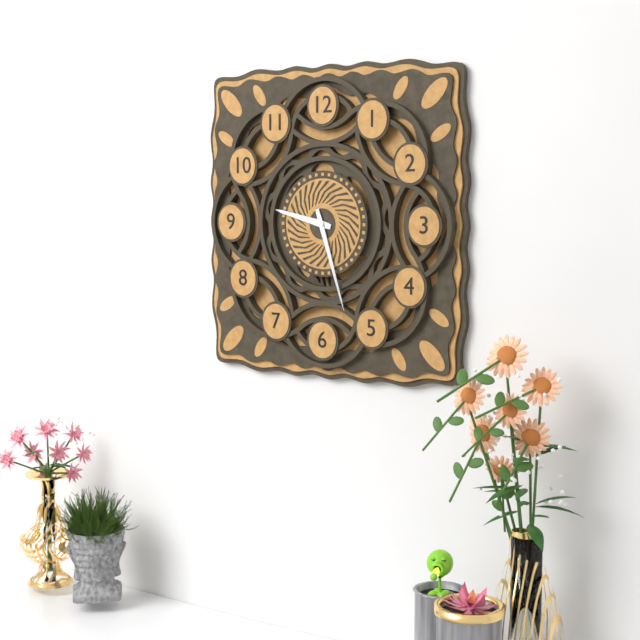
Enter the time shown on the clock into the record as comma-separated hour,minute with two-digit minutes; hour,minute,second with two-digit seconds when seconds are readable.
9,27
